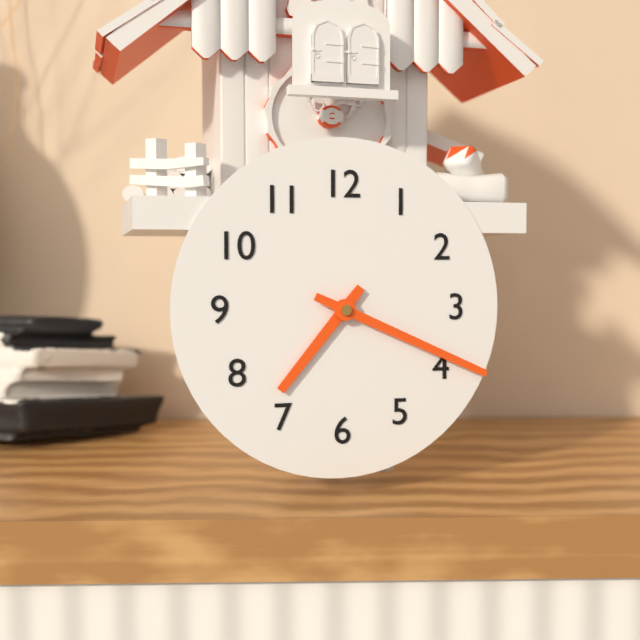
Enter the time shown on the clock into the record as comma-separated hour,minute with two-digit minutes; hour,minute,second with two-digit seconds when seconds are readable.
7,19
